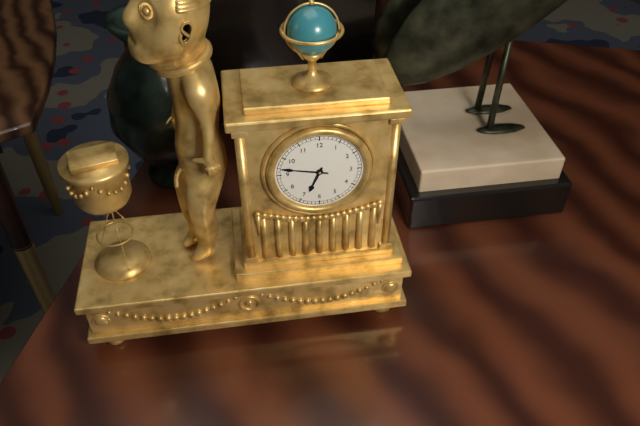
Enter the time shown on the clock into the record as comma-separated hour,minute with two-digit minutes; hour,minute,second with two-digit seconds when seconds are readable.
6,47
